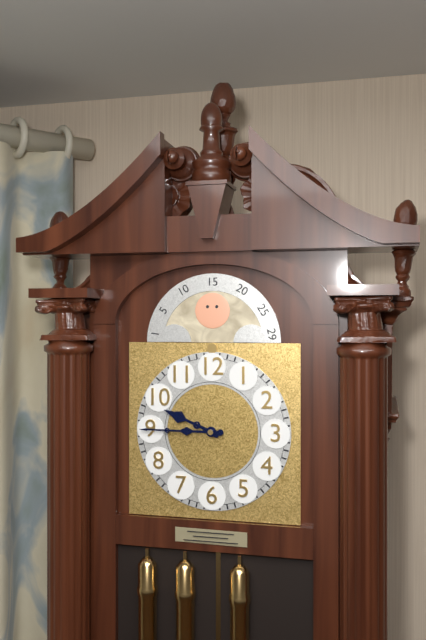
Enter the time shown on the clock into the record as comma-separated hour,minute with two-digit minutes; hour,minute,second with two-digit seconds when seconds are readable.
9,45
